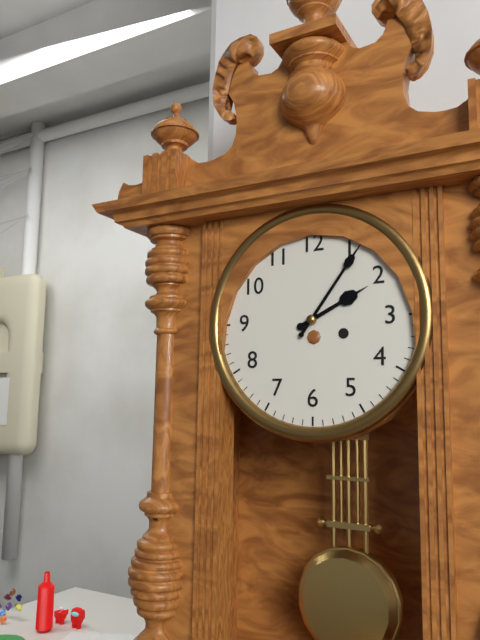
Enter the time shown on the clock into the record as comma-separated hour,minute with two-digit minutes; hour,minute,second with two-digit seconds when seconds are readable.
2,06
